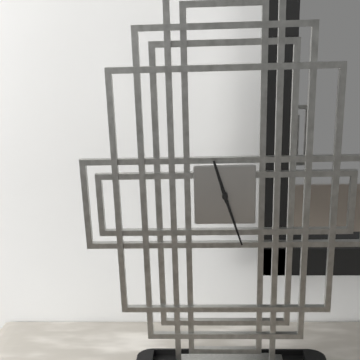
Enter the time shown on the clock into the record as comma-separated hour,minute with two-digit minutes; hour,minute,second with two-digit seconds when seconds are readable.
11,27
